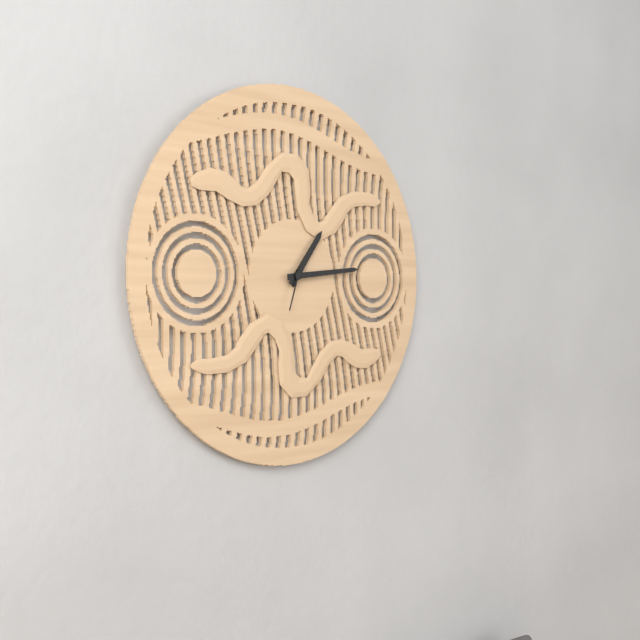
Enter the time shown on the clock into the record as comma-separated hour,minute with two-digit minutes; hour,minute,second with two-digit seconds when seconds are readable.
1,14
